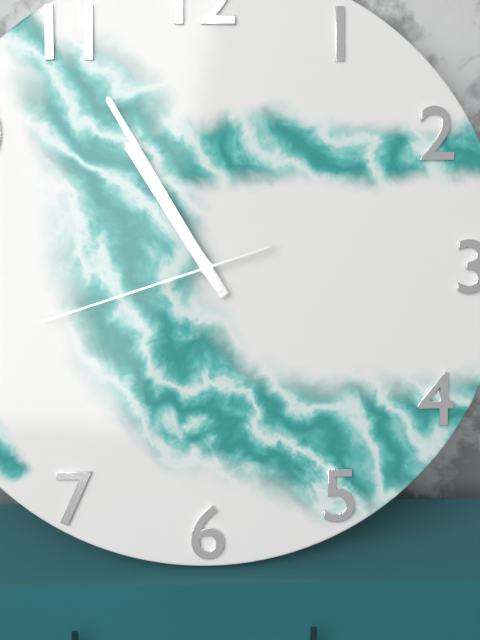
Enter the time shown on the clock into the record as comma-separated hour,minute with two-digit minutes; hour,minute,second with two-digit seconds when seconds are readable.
10,55,42
